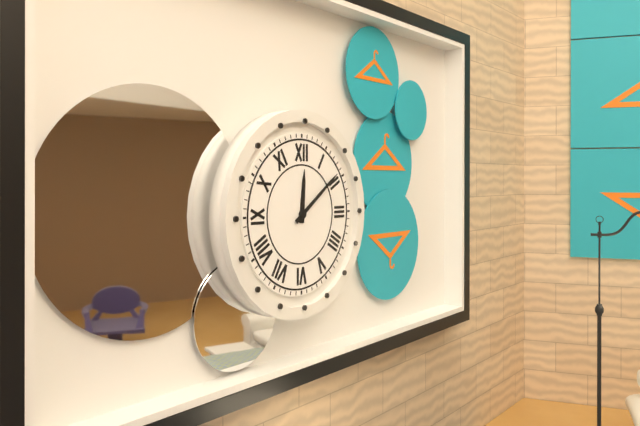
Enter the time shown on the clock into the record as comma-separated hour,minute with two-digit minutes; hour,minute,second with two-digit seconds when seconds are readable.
12,09
